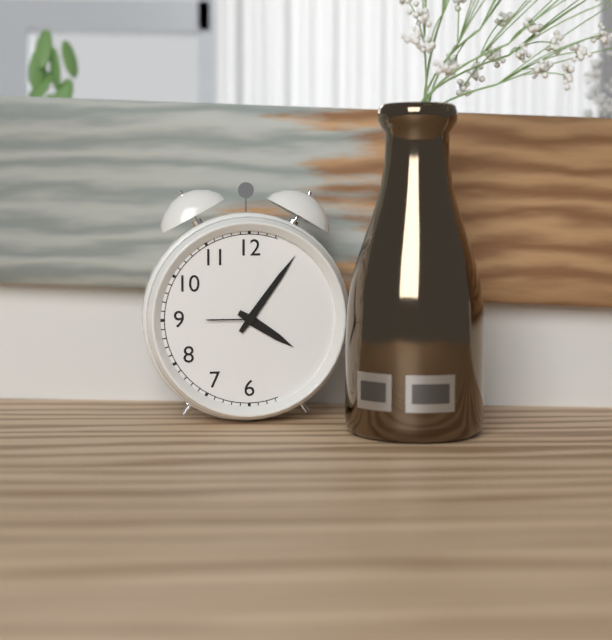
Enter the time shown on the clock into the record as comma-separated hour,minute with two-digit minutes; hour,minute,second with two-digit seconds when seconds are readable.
4,06
